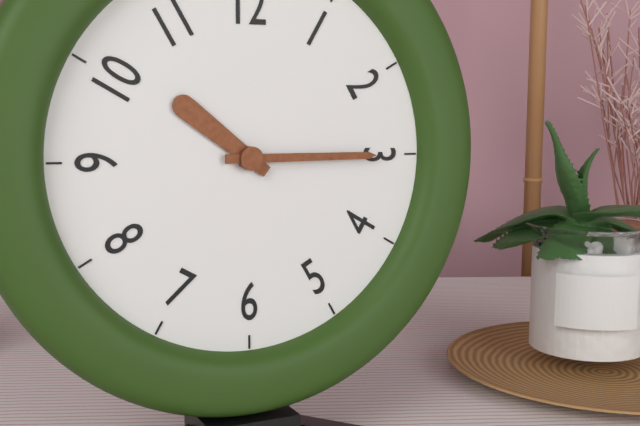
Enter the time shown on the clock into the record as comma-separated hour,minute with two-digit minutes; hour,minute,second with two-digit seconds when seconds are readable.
10,15
